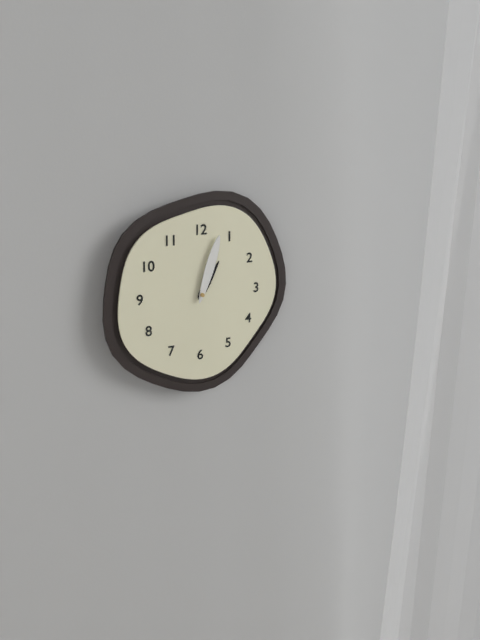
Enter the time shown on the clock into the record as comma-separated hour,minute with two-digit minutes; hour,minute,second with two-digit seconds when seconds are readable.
1,03
